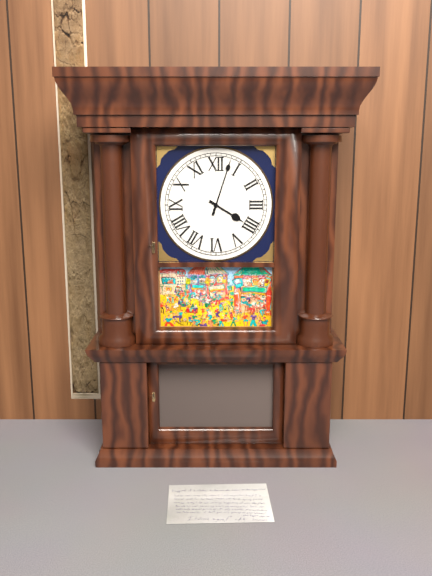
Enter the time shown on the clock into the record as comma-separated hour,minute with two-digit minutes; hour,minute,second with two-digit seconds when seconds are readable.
4,03
